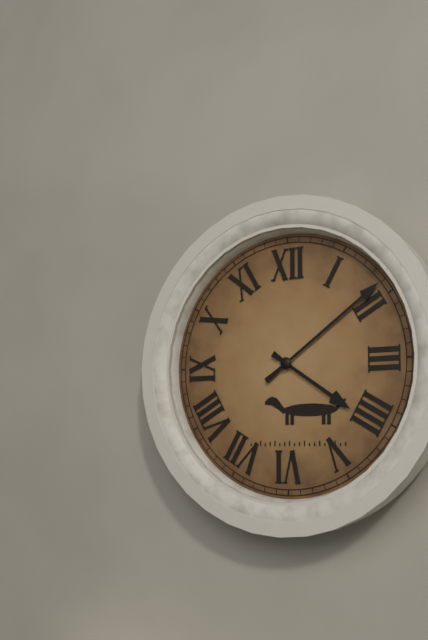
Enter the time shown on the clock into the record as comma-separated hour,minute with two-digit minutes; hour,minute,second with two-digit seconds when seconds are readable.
4,09
